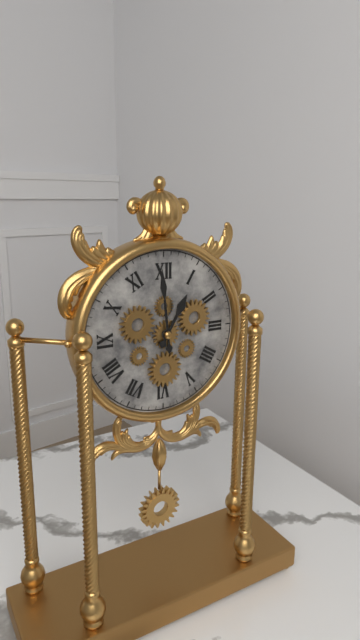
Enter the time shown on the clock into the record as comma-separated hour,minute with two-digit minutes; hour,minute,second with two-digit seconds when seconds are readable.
12,59
